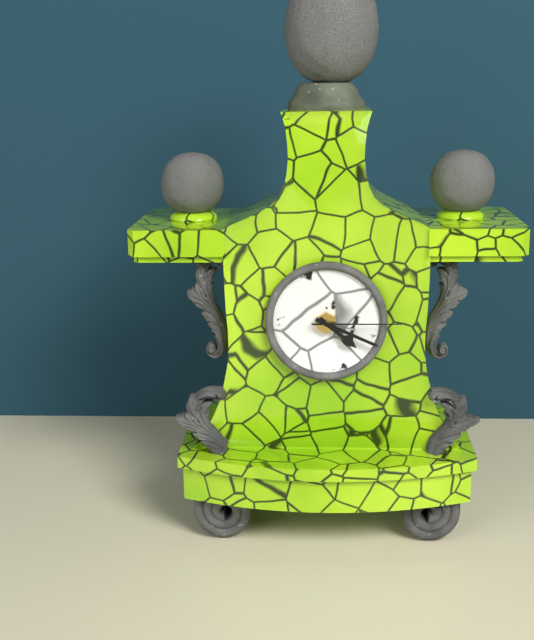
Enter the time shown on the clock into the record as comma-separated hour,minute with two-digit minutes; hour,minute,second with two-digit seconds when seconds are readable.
4,19,15
